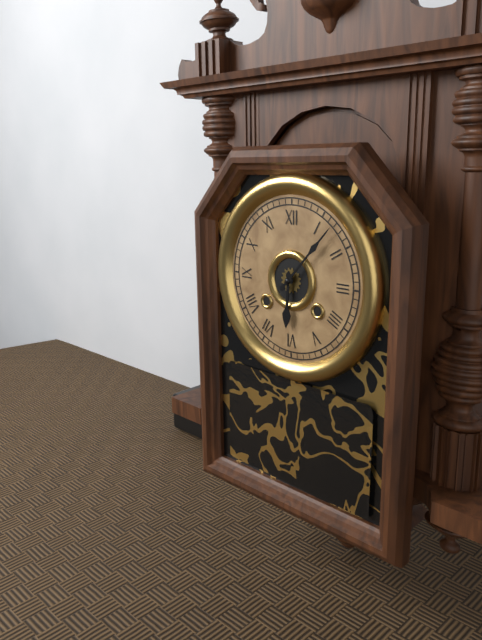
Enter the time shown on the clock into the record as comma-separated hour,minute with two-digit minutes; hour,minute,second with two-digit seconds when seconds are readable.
6,07
